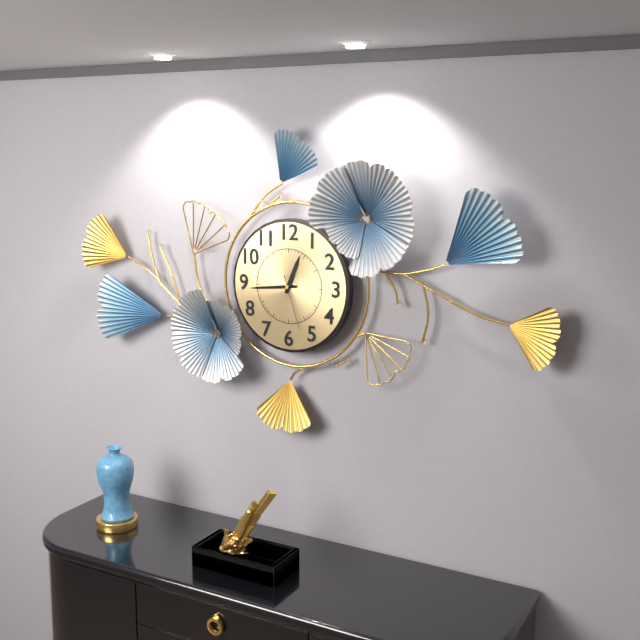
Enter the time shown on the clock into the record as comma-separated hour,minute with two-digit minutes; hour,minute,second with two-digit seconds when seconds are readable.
12,44,27
